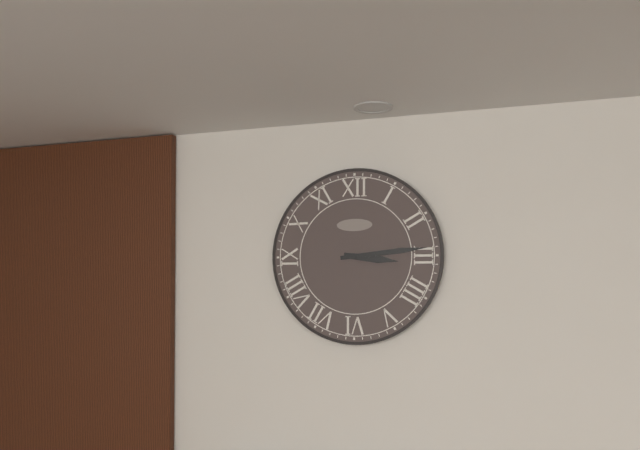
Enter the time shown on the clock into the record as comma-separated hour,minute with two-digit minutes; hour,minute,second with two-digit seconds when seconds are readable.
3,14
